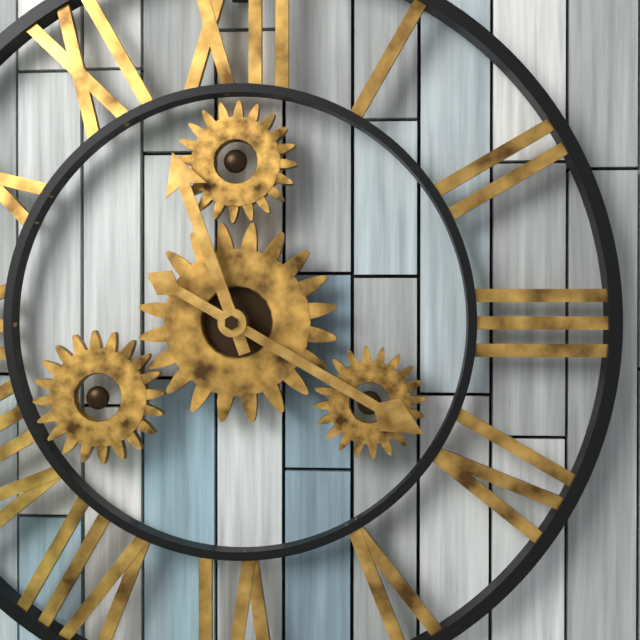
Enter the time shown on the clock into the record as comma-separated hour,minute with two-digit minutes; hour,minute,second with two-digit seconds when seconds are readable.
11,20
